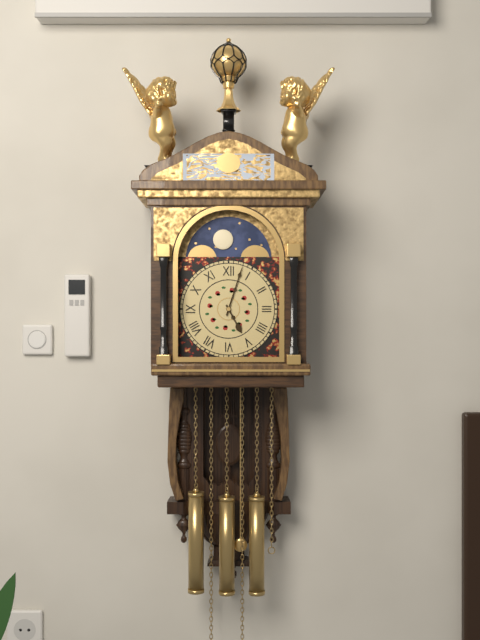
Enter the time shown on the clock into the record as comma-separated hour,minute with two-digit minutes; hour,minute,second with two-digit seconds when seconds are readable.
5,03
